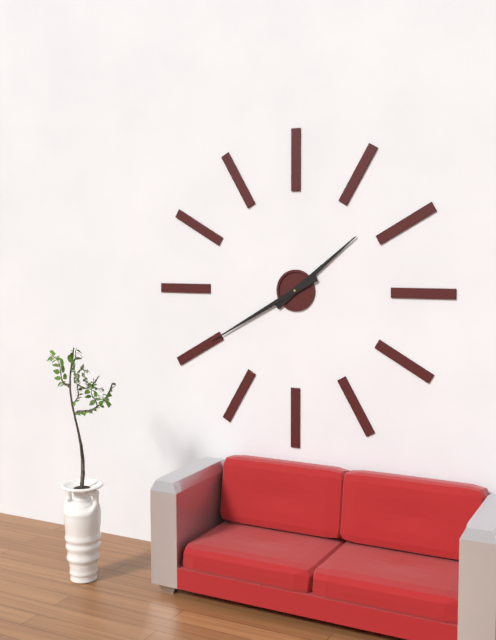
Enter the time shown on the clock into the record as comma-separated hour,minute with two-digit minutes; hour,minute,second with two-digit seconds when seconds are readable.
1,40
